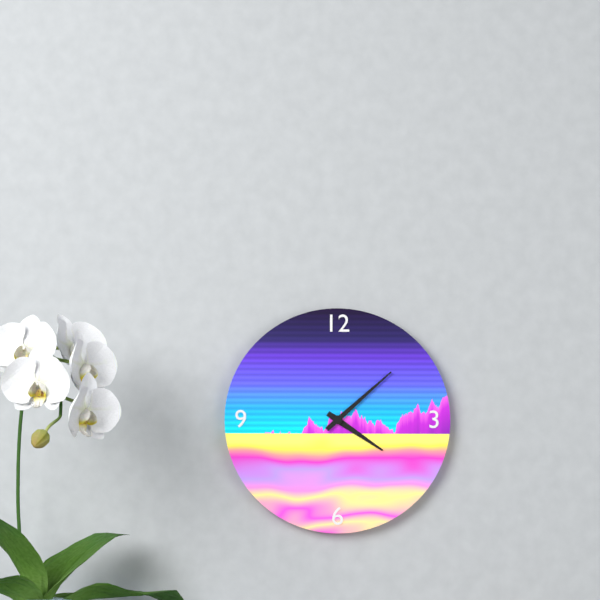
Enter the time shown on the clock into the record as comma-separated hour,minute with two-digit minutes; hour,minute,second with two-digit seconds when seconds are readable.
4,08
